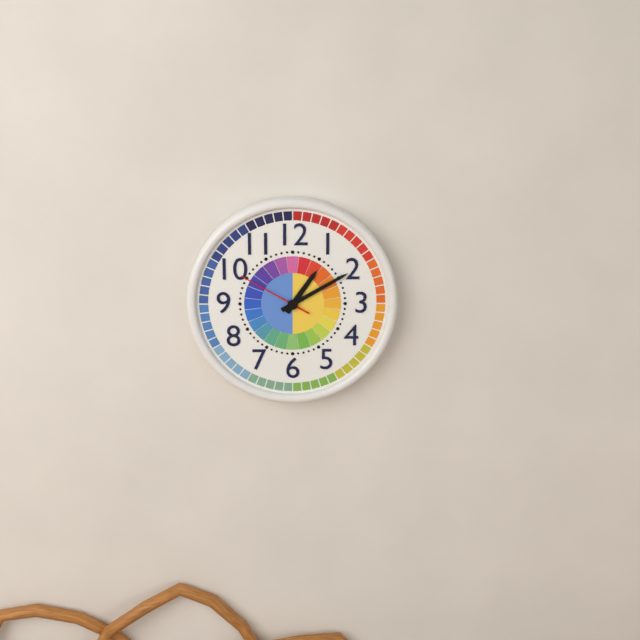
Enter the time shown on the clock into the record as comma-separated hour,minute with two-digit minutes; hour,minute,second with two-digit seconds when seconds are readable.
1,10,50
